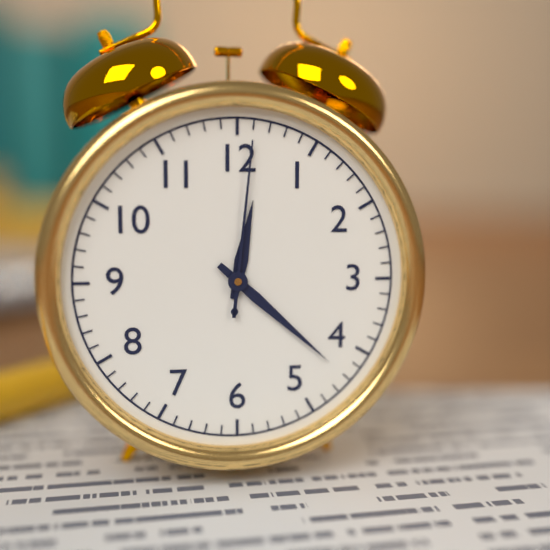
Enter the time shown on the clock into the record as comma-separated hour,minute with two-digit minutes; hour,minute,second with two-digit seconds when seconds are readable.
12,22,01
